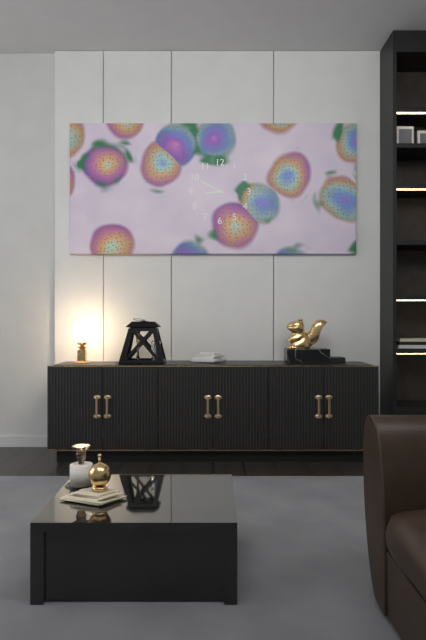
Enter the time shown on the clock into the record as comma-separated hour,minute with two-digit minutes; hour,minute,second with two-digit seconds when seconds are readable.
8,50
